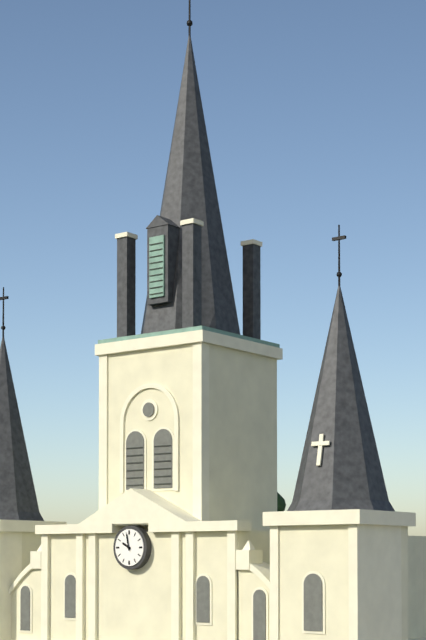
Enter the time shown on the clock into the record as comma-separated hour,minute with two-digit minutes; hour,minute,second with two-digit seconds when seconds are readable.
9,58
